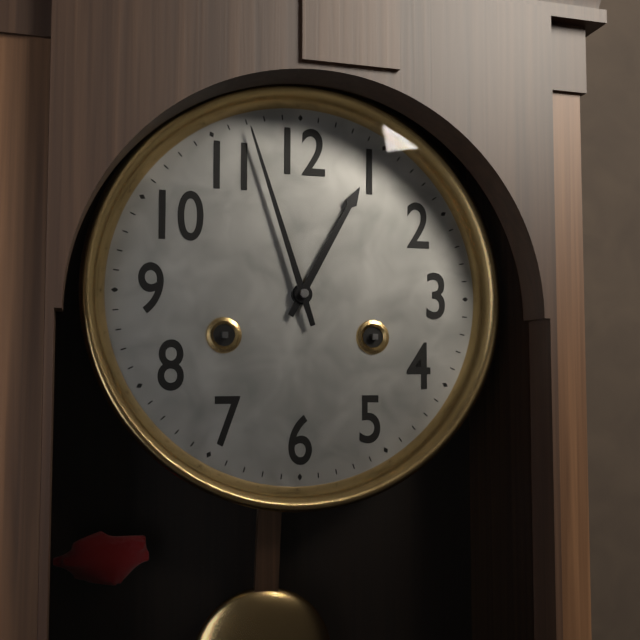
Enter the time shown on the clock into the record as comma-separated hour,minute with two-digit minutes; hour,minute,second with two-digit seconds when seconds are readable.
12,57
